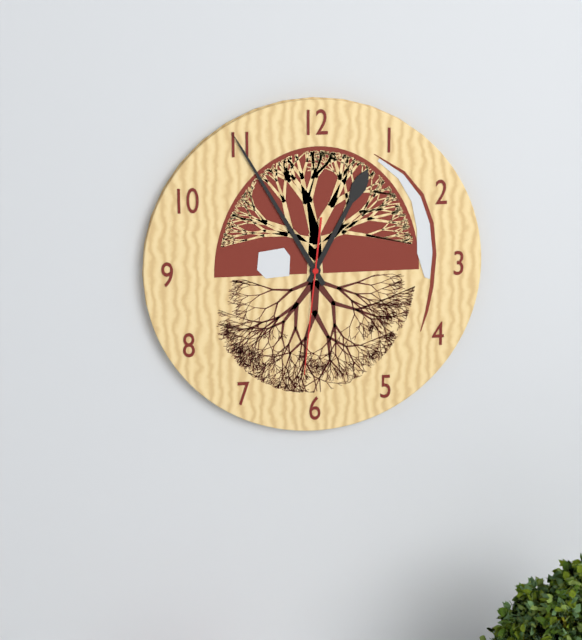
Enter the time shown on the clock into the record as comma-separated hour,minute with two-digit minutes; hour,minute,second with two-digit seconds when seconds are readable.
12,55,31
